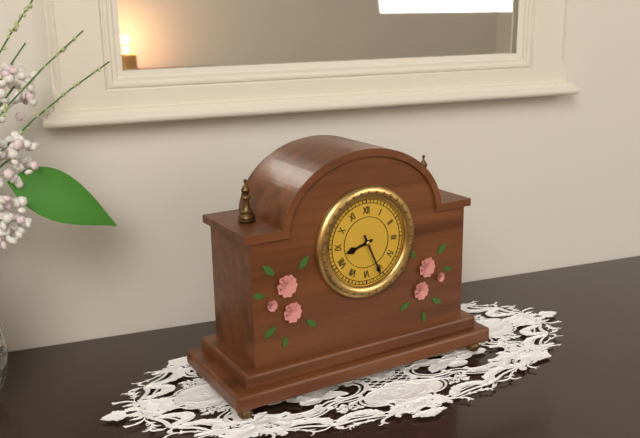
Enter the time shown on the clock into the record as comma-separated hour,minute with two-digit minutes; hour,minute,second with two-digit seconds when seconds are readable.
8,26
